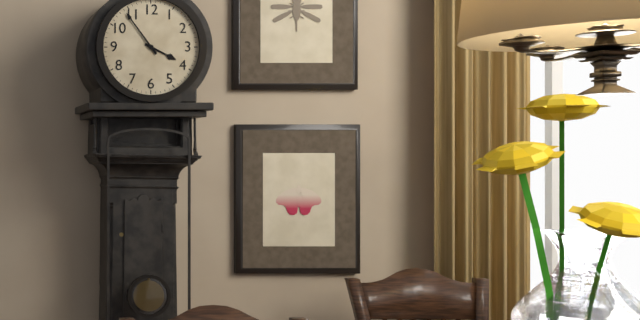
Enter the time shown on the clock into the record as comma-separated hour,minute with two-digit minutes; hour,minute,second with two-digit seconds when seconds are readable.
3,54
